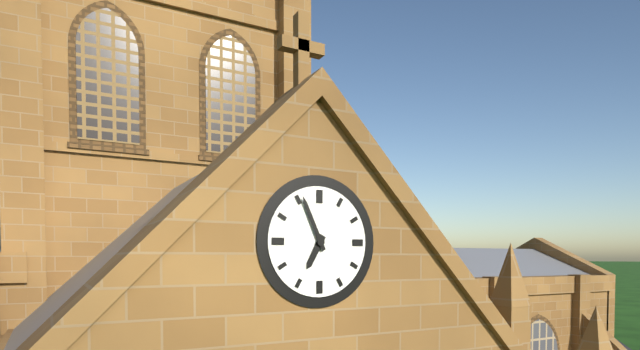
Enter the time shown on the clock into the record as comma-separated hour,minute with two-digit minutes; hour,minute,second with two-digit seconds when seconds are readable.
6,56
